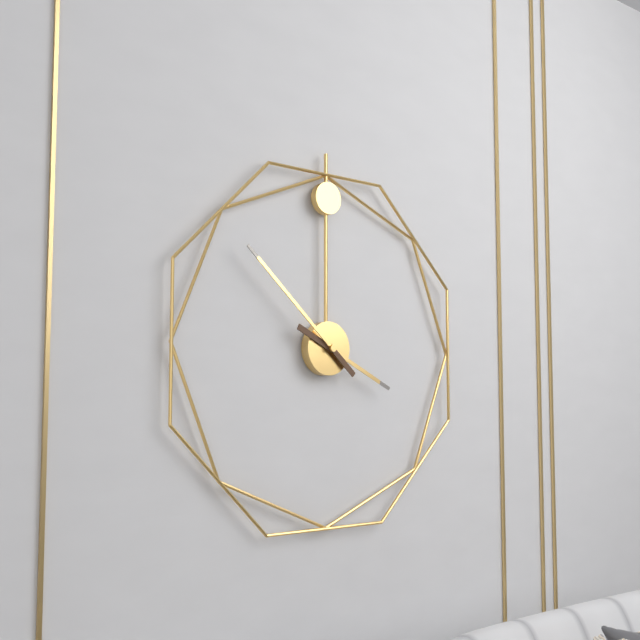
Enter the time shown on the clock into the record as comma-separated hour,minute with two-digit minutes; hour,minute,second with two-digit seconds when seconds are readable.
3,52
